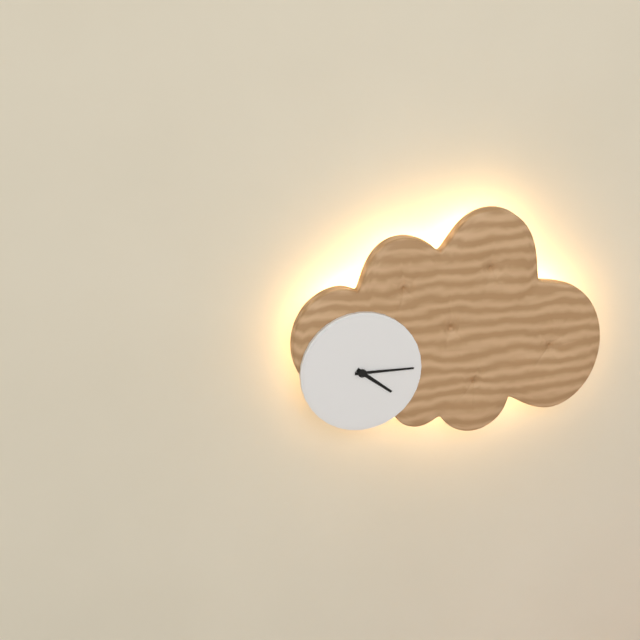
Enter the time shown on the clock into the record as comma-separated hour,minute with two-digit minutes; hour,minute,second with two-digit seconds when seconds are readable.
4,15
